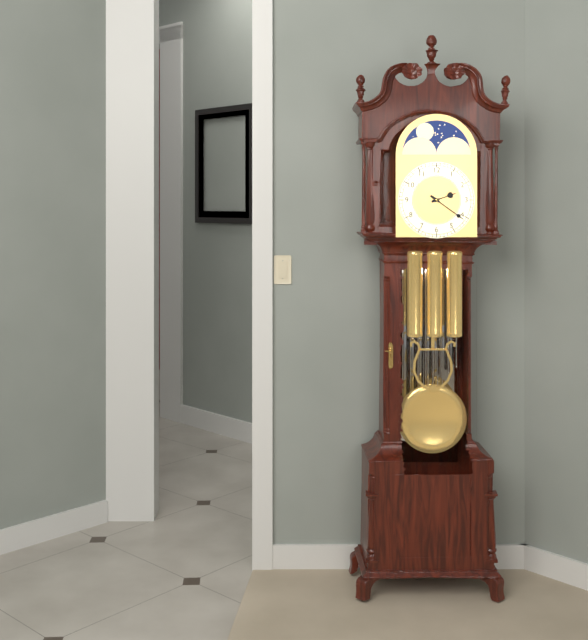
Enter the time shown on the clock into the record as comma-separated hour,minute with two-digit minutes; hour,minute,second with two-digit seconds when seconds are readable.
2,21
